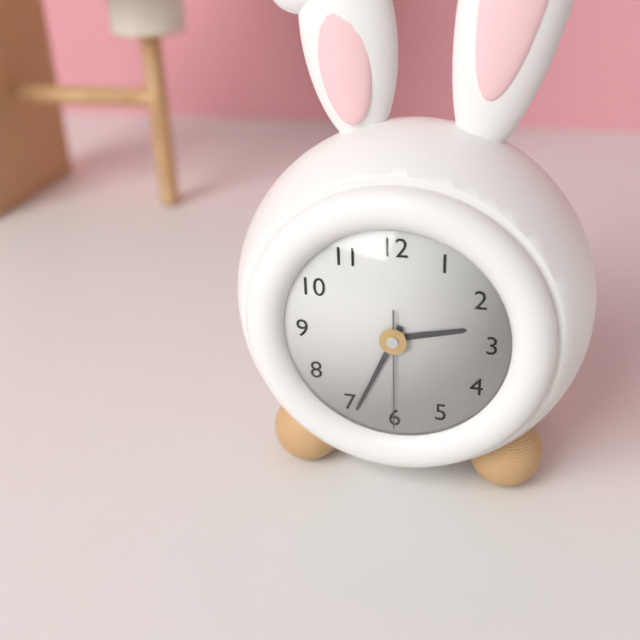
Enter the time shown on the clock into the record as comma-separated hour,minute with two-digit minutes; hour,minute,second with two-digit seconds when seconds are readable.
2,34,30
